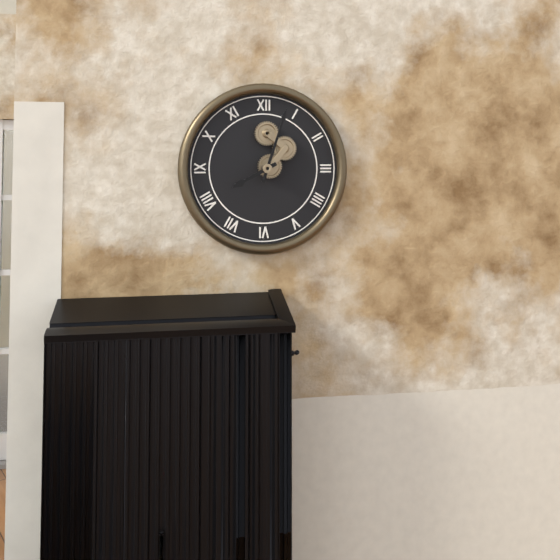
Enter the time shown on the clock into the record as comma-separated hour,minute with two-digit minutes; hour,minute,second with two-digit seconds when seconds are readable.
8,03
